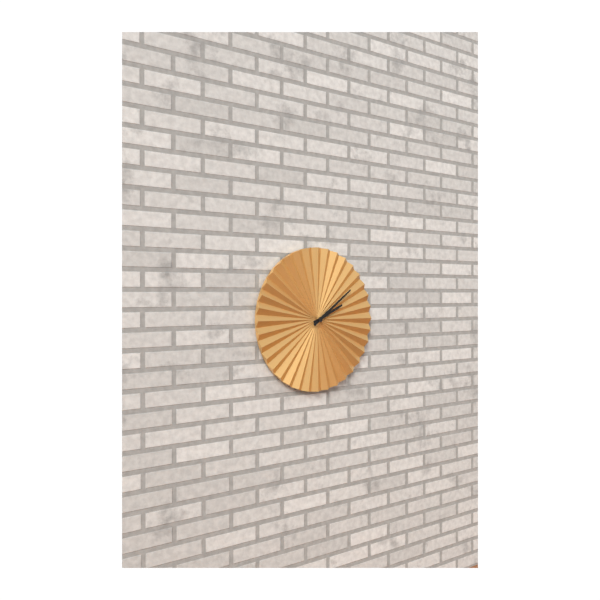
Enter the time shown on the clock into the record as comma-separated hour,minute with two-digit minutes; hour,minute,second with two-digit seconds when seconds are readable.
2,09
